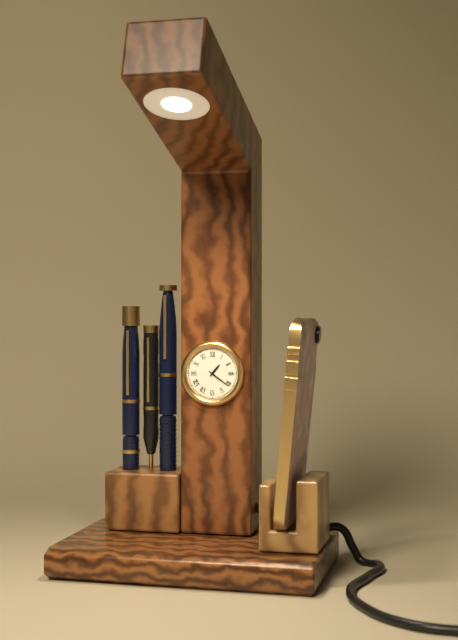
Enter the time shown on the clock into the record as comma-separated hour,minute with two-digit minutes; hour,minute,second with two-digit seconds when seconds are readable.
1,21
